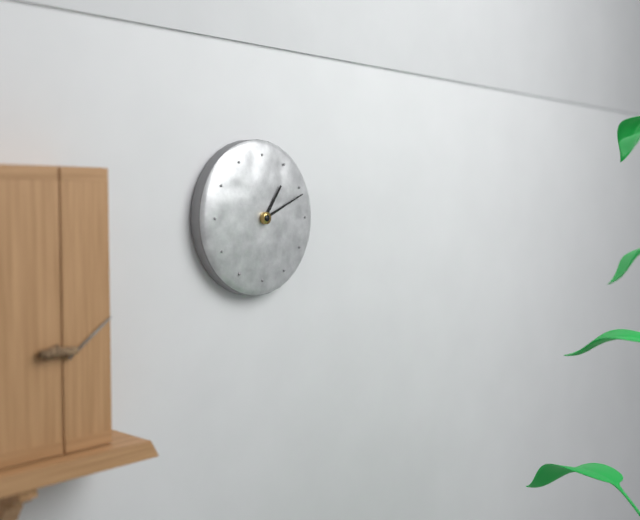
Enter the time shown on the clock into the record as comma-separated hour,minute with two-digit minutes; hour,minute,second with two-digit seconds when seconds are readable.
1,11
